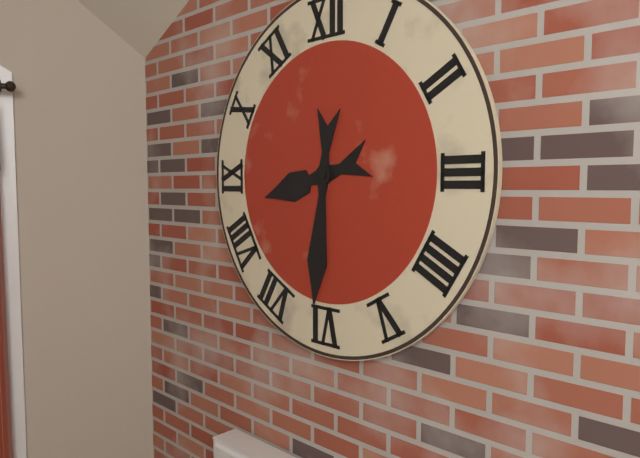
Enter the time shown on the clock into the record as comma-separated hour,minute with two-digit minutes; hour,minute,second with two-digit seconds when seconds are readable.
8,31
